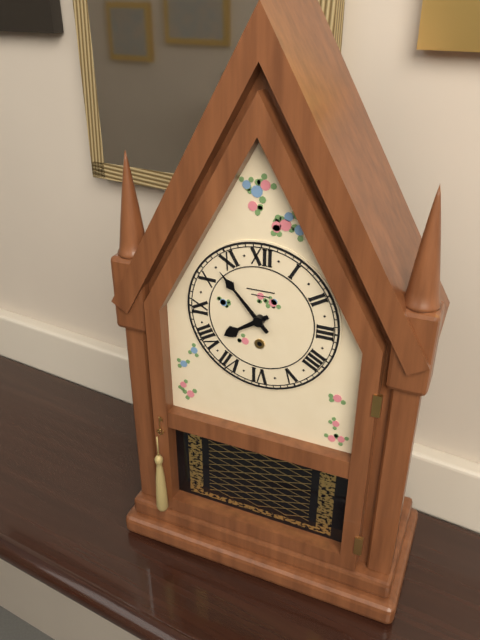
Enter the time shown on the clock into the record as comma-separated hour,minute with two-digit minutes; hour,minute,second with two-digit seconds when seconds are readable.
7,53
